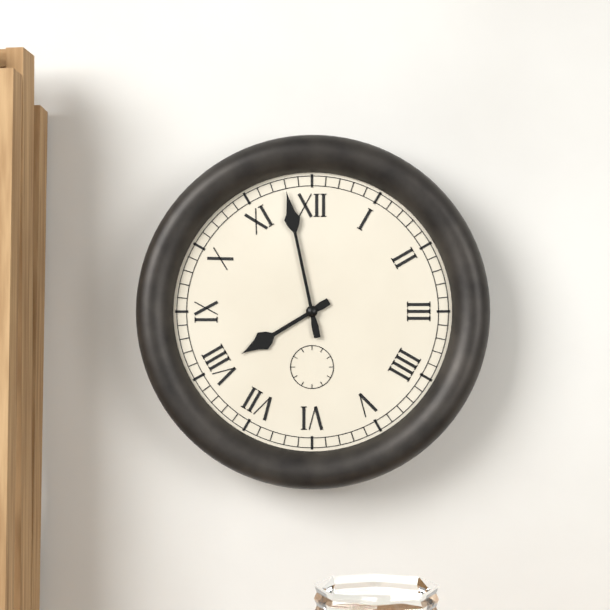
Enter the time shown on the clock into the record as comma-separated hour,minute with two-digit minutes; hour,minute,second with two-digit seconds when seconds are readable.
7,58
